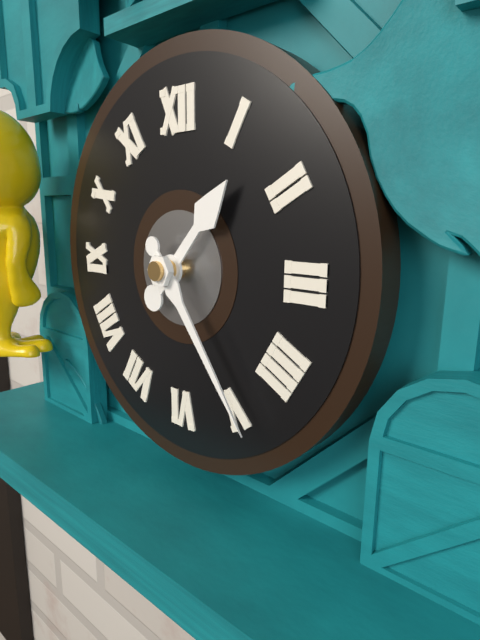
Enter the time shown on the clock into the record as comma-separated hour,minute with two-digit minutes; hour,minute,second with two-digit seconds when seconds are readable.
1,24
